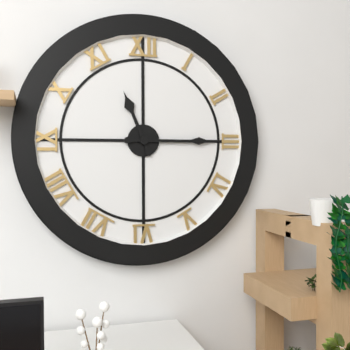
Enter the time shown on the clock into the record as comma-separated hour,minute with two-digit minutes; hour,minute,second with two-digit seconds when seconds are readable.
11,15
